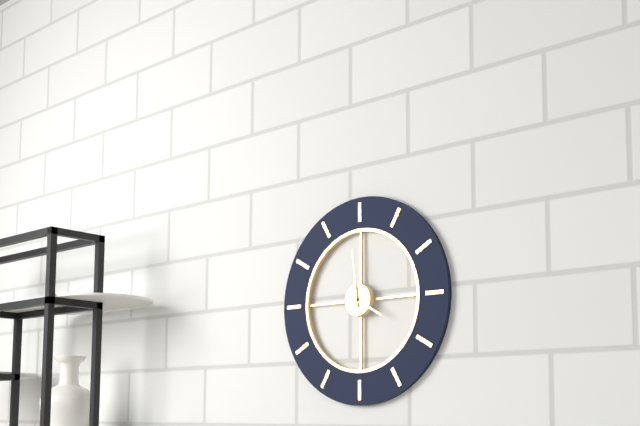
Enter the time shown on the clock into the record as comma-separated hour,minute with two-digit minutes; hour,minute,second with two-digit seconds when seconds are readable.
3,59
